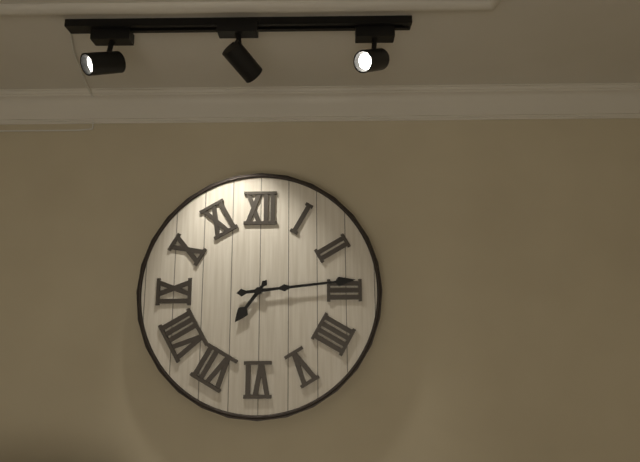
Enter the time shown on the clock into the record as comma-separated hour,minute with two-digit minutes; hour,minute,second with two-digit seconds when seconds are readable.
7,14
